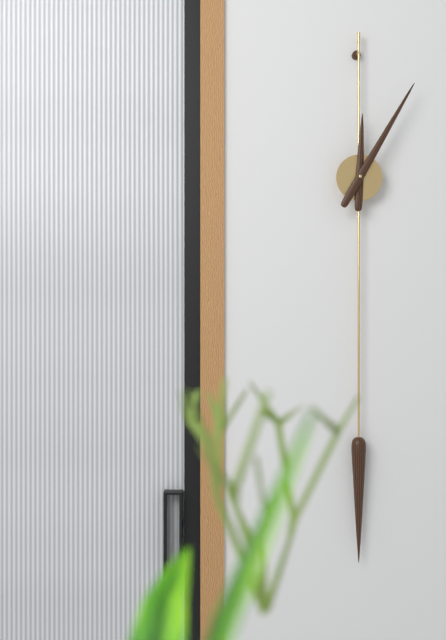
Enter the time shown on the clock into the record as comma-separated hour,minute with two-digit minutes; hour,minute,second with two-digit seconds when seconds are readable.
12,05
